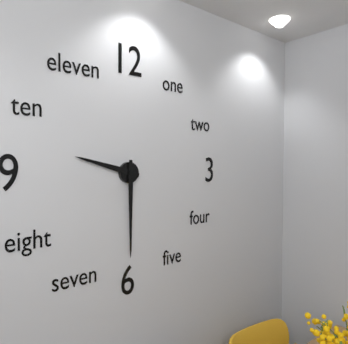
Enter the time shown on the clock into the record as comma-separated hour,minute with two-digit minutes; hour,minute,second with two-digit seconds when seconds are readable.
9,30
